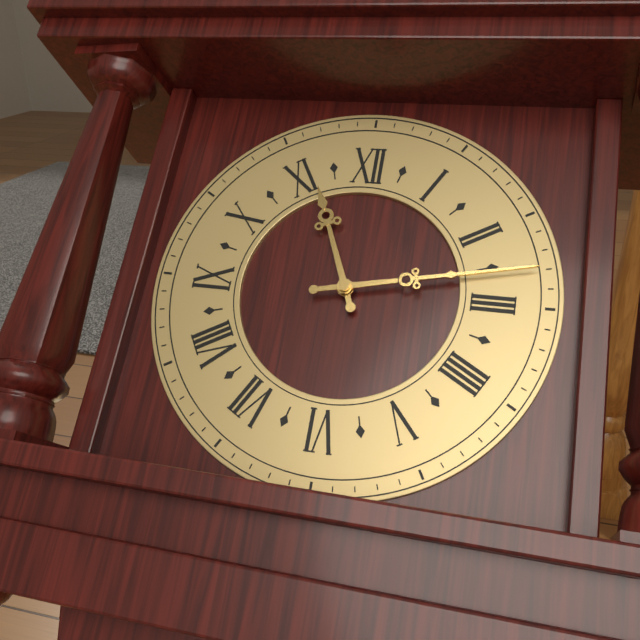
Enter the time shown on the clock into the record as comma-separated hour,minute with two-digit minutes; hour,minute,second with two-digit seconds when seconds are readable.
11,13
